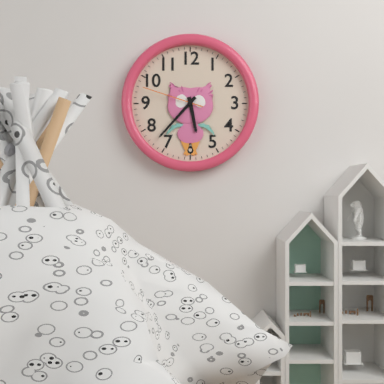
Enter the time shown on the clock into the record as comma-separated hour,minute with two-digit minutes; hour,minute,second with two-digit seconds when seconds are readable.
5,37,48
